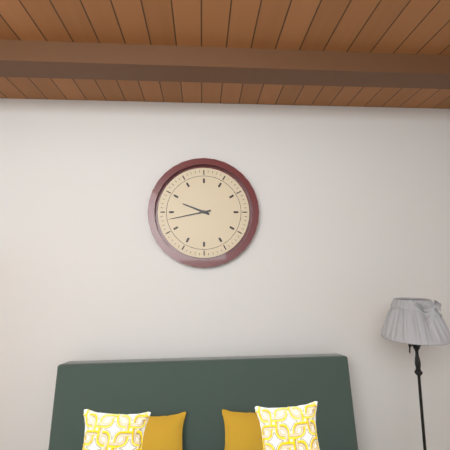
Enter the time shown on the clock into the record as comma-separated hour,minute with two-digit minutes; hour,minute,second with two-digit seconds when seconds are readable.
9,43
